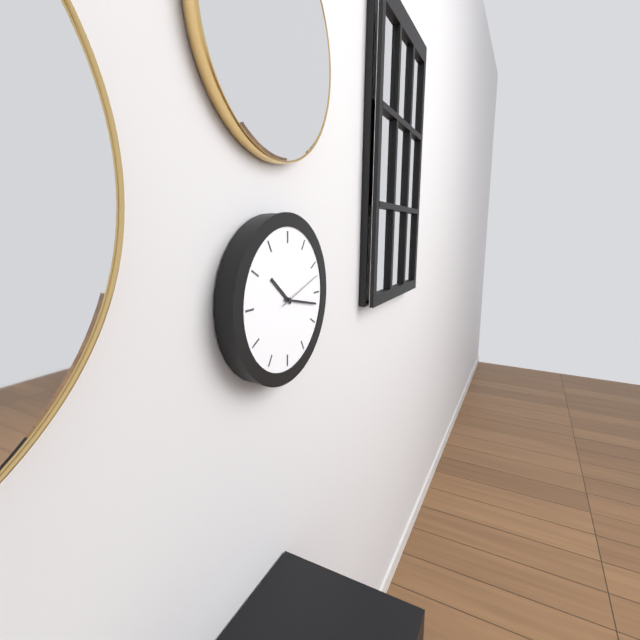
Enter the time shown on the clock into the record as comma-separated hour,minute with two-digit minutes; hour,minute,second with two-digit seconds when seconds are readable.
10,17
